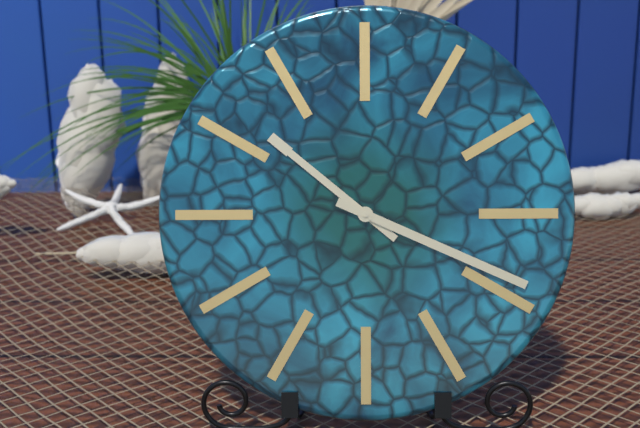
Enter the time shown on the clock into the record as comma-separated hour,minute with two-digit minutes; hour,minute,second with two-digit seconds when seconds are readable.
10,19
